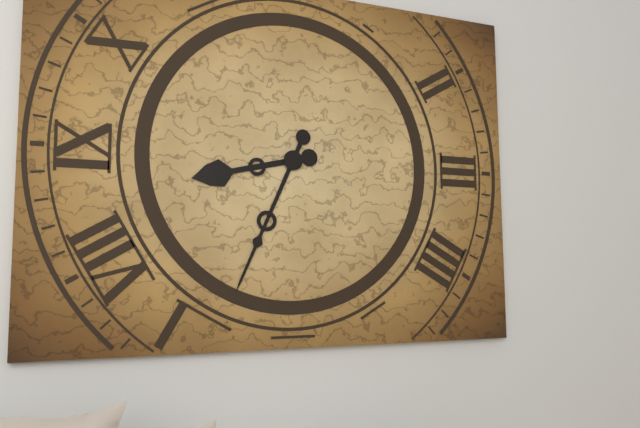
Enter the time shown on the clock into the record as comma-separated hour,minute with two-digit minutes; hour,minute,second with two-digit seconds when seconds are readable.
8,34
